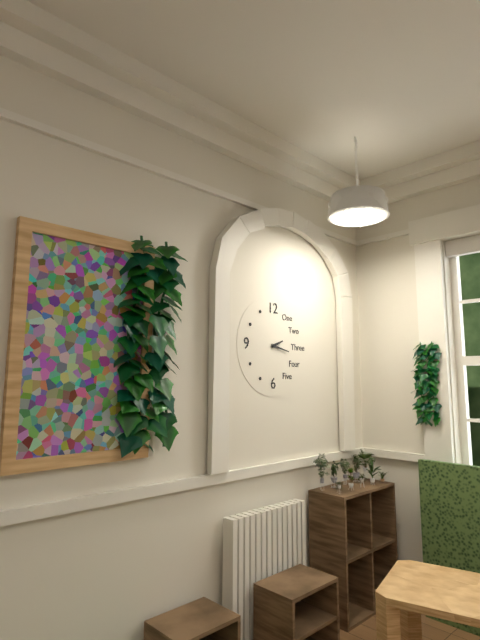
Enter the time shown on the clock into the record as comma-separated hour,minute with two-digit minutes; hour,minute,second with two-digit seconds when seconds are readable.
2,17
